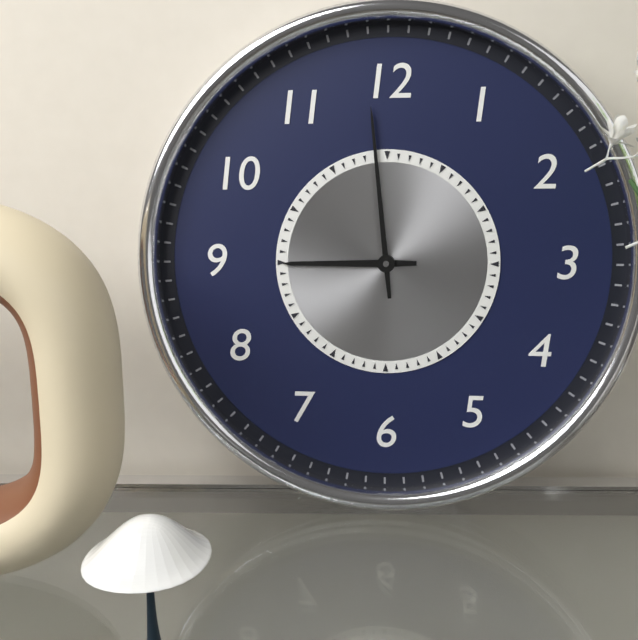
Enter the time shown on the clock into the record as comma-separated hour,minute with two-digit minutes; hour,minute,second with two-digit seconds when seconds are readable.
8,59
